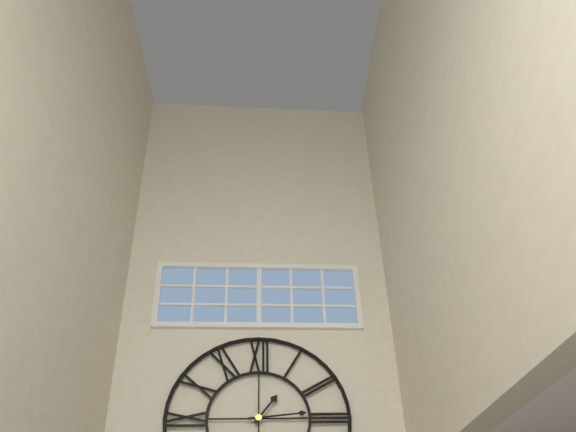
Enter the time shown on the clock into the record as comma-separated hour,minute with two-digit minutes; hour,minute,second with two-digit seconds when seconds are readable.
1,14
